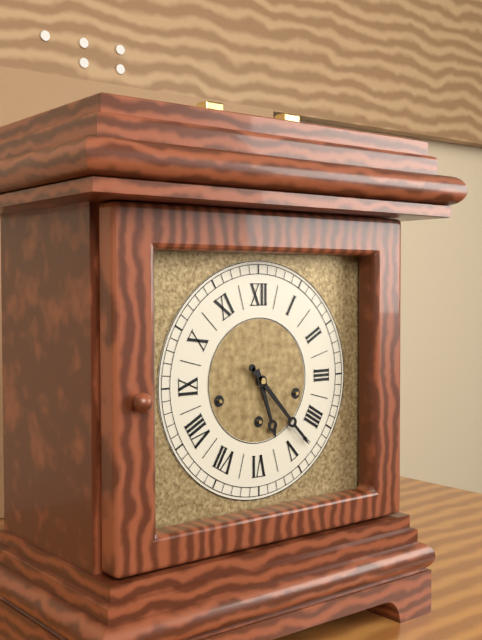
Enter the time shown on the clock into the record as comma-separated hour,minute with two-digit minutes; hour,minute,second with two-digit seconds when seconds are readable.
5,23
